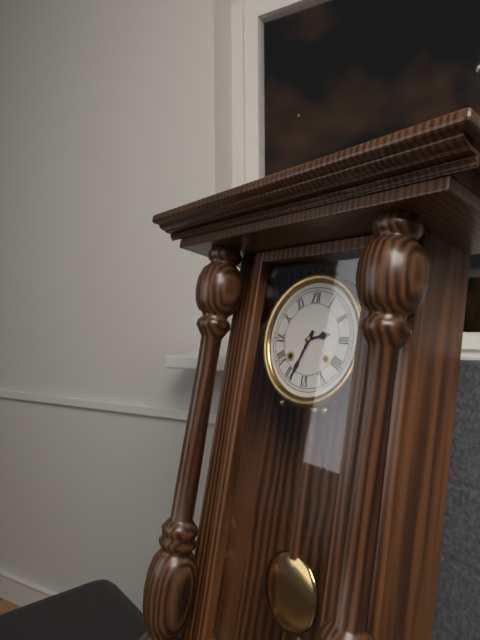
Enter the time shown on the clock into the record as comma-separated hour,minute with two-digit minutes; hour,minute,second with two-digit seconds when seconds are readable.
2,34
